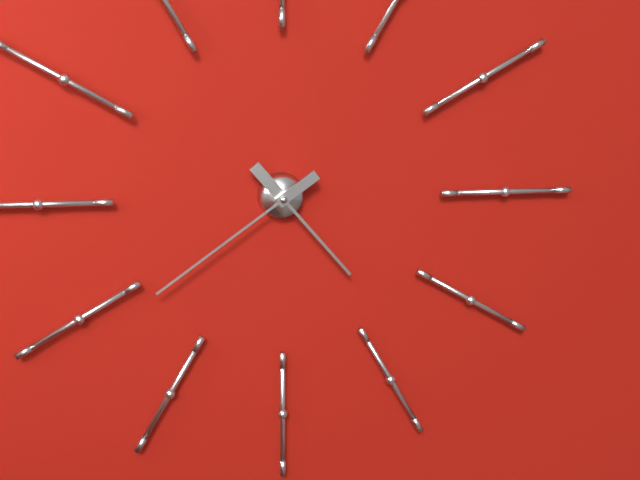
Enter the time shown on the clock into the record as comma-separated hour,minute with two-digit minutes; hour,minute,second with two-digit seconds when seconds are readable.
4,39
